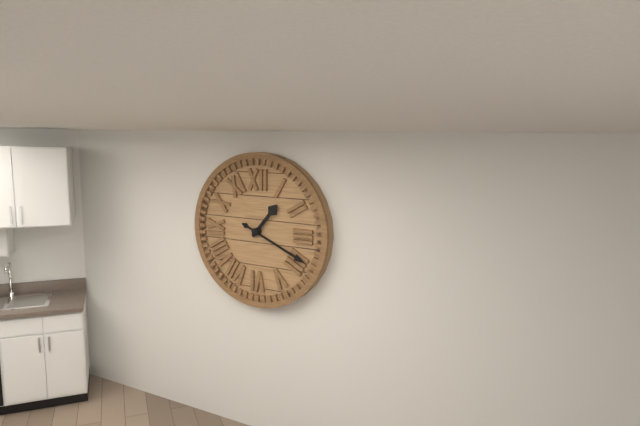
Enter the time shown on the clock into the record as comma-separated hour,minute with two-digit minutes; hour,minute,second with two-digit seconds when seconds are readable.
1,19
